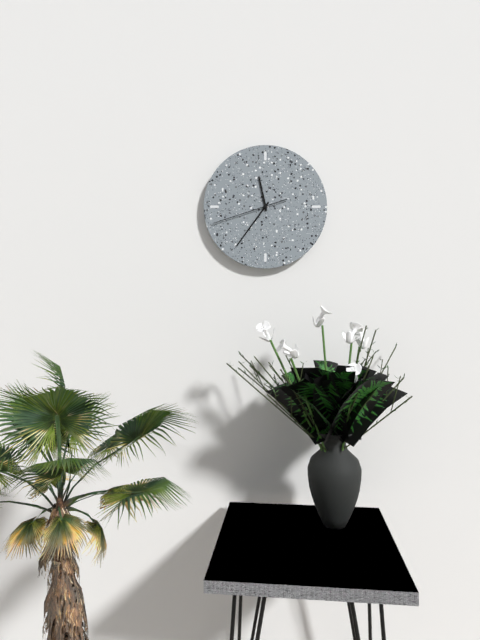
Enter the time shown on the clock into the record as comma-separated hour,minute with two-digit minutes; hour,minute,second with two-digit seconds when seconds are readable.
11,36,42
